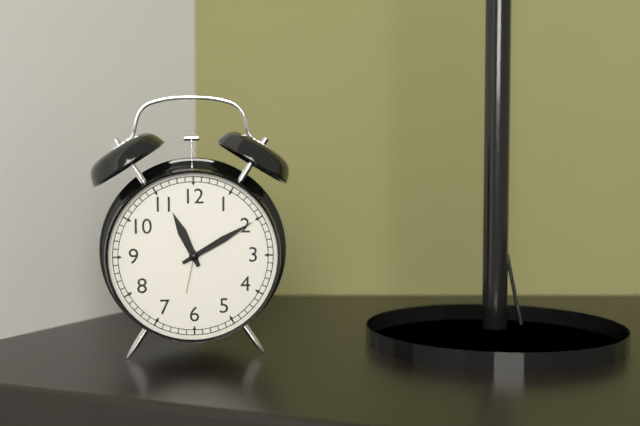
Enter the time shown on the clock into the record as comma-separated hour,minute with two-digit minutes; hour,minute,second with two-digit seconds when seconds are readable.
11,10
